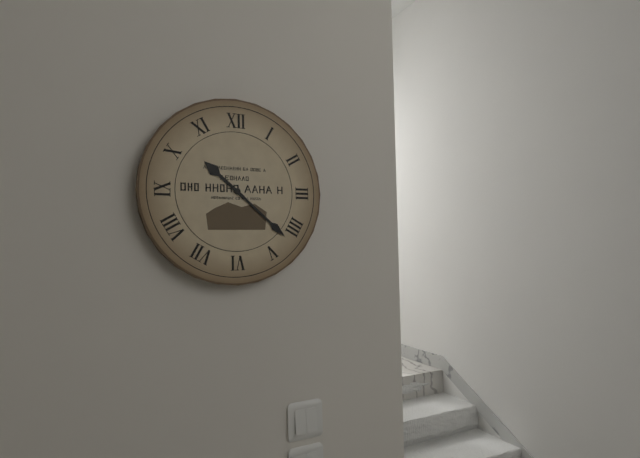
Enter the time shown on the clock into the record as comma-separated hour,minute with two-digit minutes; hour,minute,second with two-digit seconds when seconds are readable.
10,22
